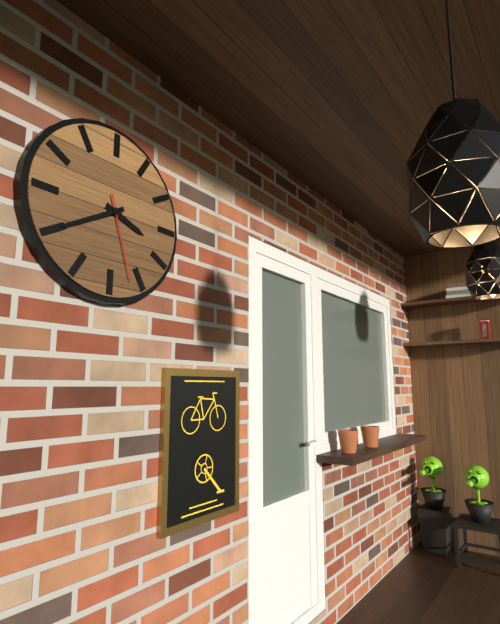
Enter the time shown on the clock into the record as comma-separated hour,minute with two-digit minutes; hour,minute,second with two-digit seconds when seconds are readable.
3,40,27
